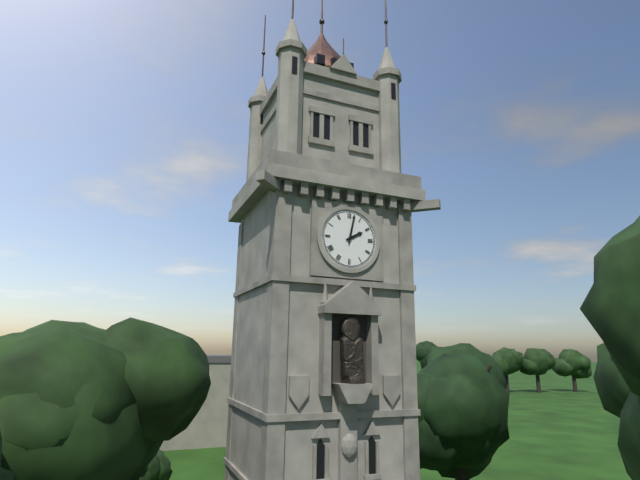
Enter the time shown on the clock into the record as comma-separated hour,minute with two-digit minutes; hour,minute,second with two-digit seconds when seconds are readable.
2,02
